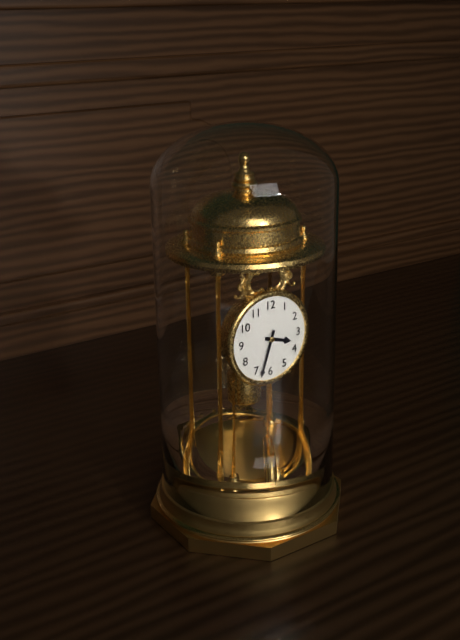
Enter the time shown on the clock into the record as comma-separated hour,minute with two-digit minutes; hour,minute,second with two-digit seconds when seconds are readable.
3,33
